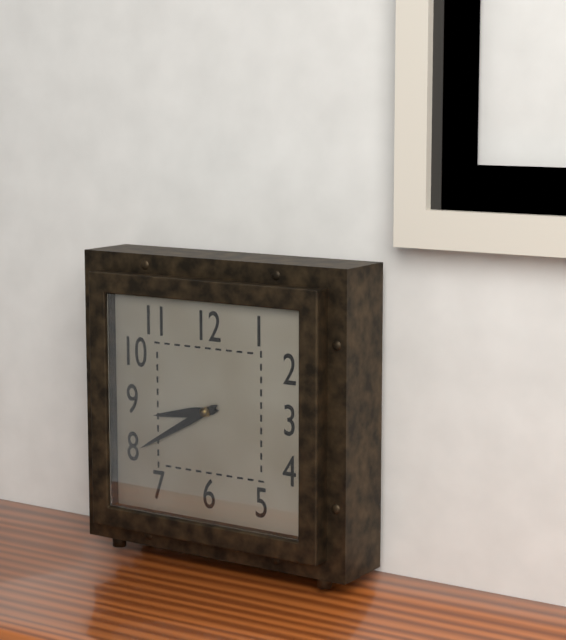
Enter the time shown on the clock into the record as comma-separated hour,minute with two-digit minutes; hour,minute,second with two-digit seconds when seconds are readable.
8,40
